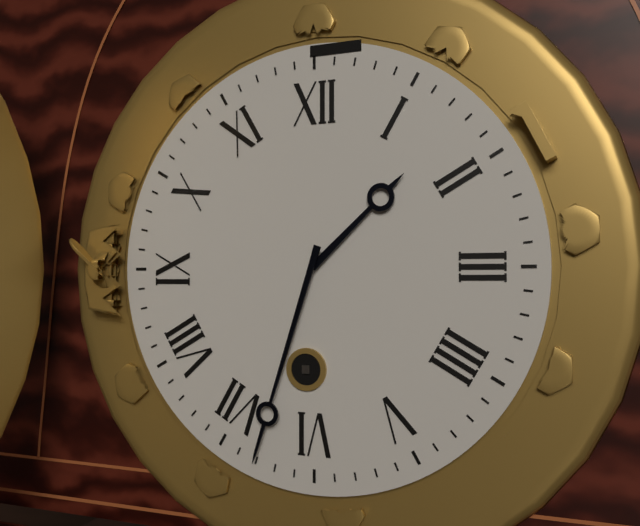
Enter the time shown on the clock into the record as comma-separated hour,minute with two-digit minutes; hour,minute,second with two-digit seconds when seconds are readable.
1,33
